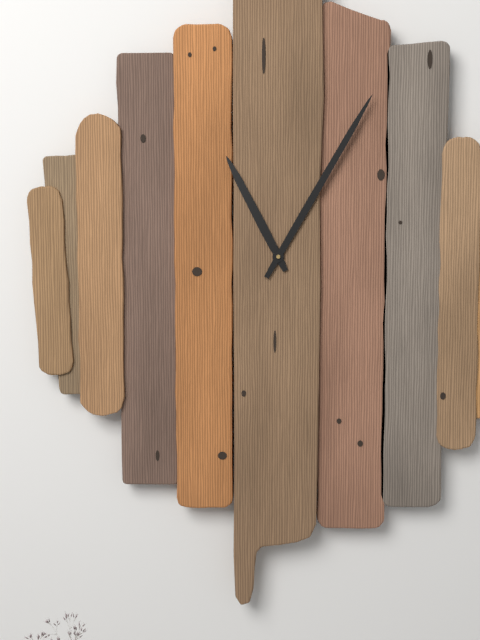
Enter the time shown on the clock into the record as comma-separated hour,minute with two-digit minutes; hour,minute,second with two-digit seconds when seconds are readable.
11,05
